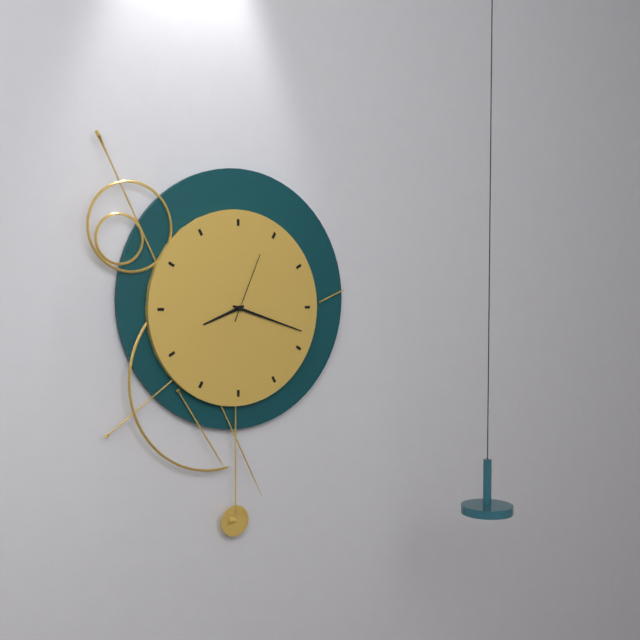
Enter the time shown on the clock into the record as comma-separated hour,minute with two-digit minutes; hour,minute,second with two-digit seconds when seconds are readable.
8,18,04
